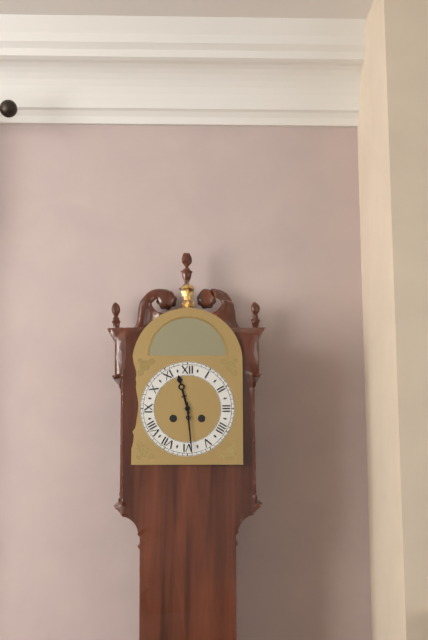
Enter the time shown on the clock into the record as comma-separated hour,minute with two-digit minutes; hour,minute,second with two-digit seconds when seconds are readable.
11,29
